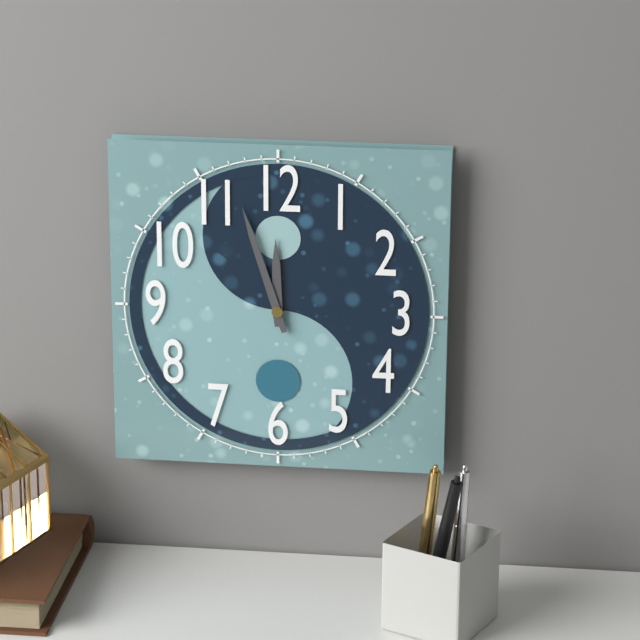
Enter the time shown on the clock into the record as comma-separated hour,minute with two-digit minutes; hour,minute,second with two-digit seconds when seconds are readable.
11,57
